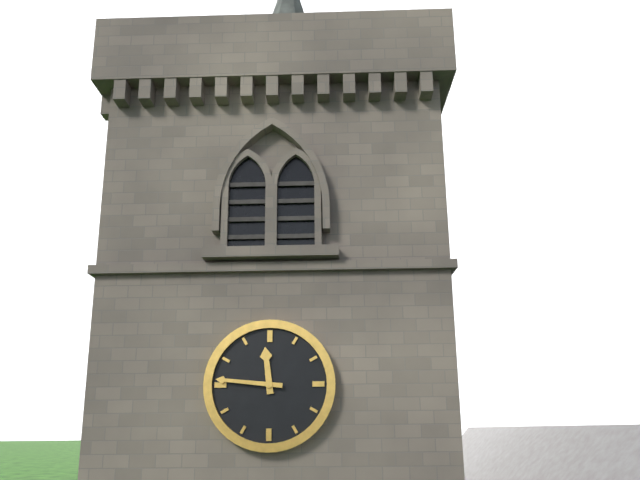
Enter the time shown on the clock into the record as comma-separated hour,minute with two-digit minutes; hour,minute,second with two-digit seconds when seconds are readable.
11,46
